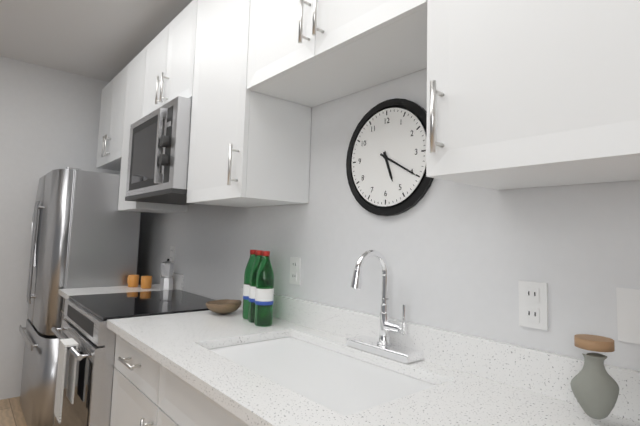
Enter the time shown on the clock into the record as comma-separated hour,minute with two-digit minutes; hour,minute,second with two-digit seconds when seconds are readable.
5,20
